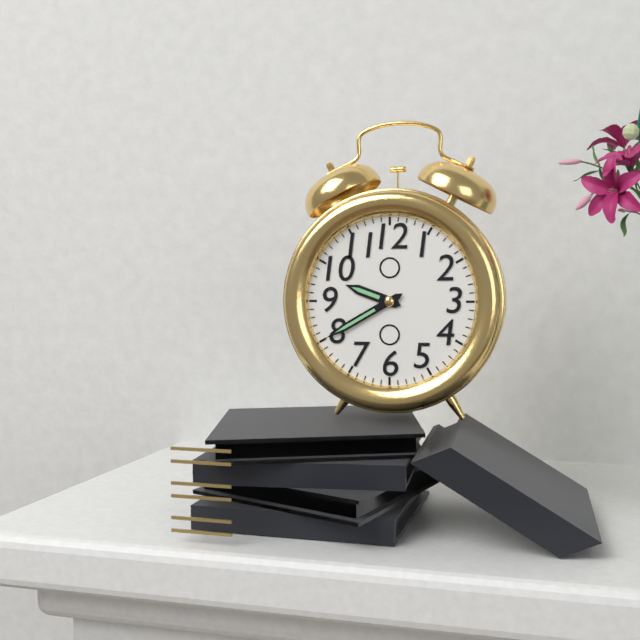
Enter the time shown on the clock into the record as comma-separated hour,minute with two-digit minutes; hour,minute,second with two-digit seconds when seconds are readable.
9,40
